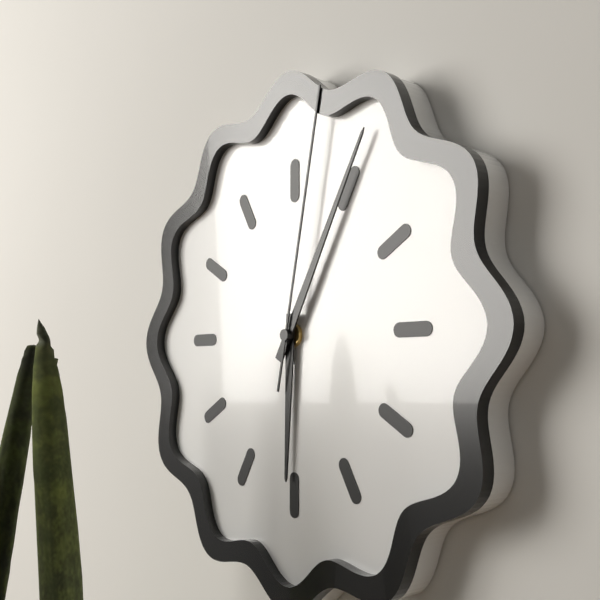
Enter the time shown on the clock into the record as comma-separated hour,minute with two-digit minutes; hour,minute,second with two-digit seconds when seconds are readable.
6,05,02
